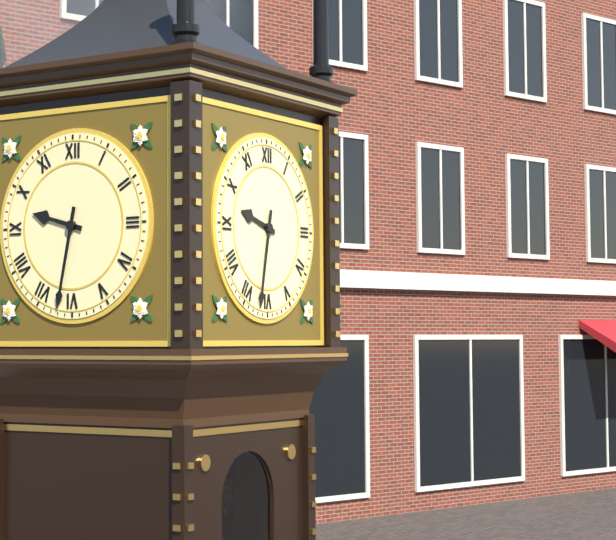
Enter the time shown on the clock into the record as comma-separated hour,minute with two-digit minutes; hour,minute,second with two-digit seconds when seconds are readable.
9,32
